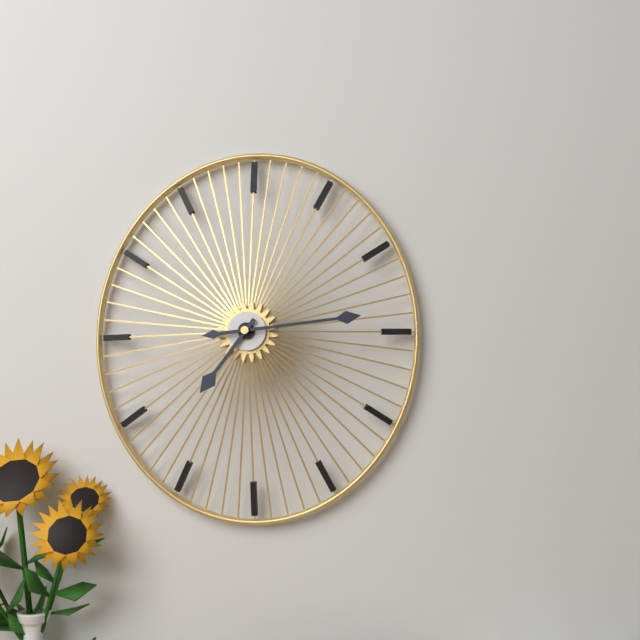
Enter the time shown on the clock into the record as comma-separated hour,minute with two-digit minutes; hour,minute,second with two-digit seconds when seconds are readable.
7,14
